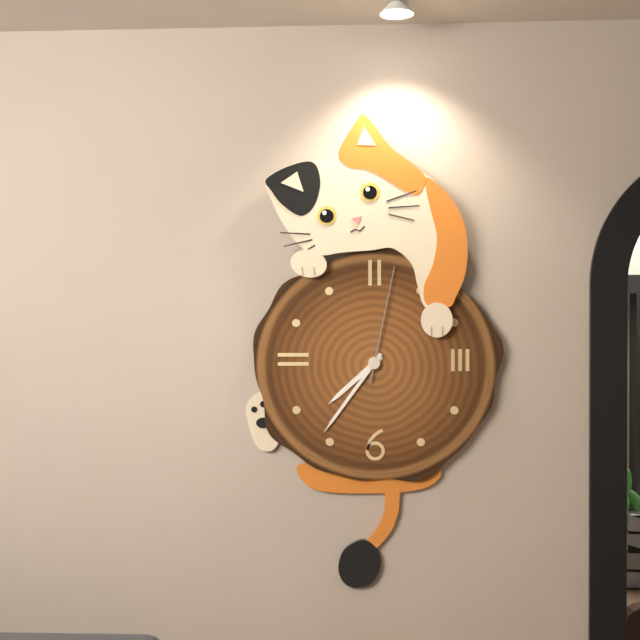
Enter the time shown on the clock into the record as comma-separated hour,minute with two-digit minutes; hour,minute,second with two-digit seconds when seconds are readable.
7,36,02
